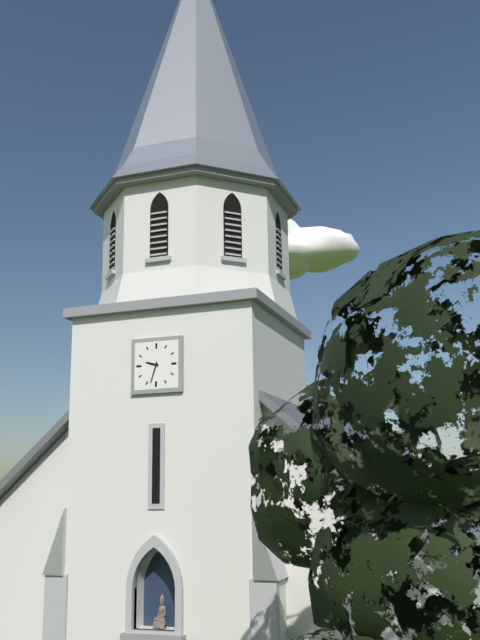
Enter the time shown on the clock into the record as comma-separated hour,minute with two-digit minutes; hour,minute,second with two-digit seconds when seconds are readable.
9,33
